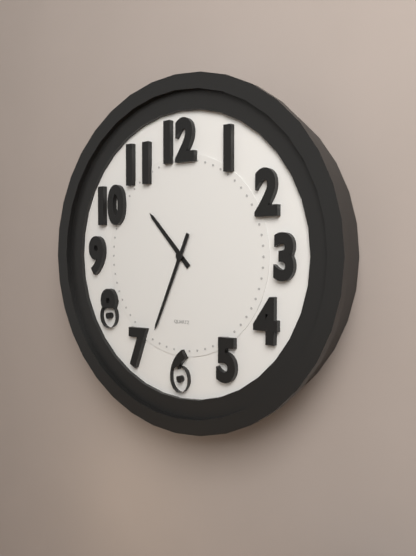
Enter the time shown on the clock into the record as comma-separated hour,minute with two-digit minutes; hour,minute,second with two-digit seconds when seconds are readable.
10,34
